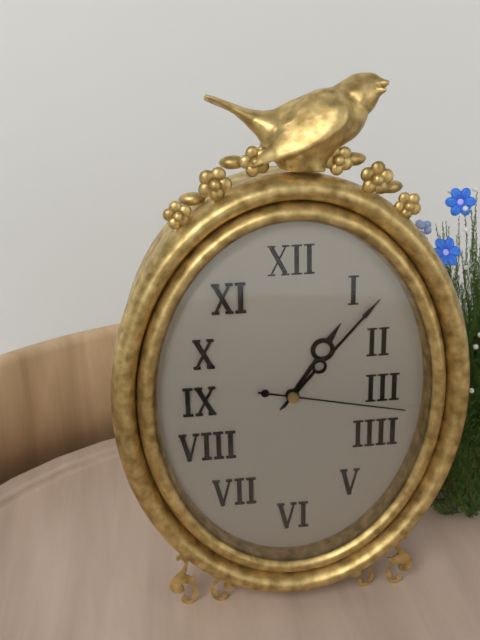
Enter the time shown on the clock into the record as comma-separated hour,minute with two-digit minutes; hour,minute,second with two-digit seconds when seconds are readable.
1,07,17
